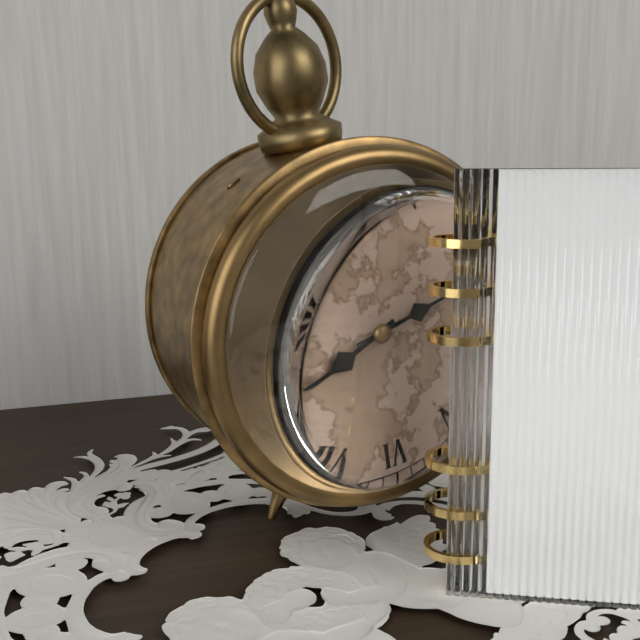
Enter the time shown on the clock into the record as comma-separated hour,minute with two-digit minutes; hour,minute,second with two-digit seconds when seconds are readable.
8,13
